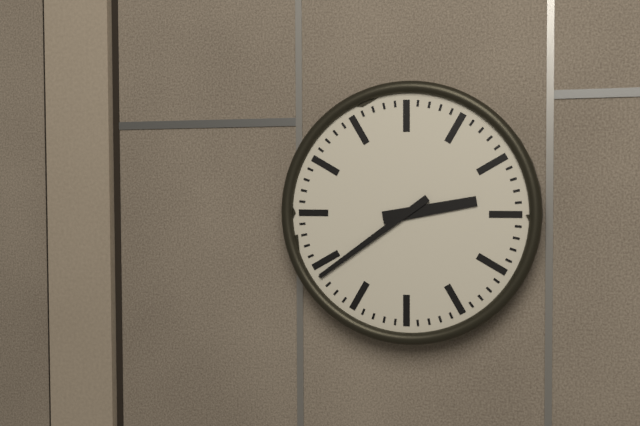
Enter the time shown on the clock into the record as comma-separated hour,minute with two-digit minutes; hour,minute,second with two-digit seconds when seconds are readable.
2,39
